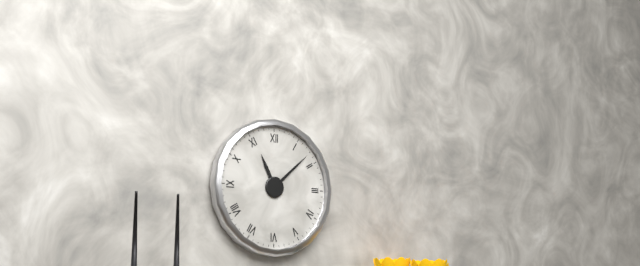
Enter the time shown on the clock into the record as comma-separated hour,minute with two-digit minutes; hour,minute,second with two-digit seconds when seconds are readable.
11,08
